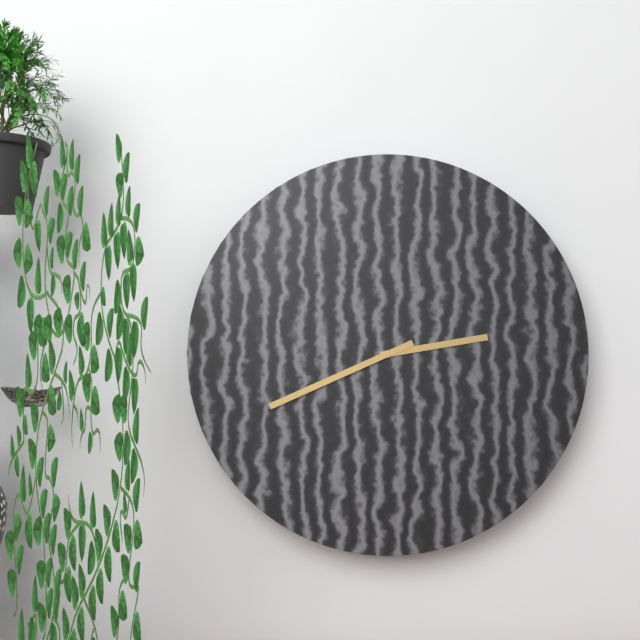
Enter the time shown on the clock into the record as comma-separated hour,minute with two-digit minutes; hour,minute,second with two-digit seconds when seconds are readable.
2,41
